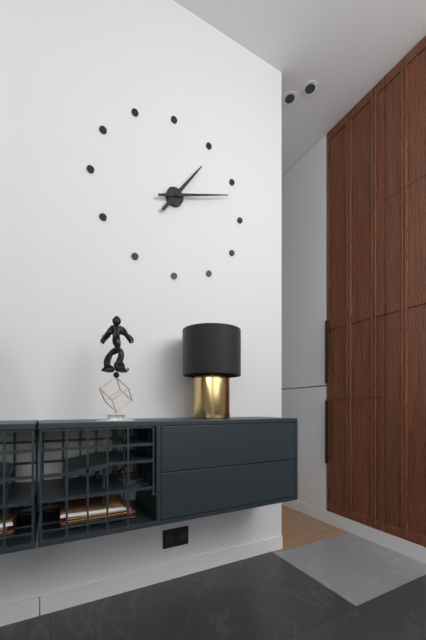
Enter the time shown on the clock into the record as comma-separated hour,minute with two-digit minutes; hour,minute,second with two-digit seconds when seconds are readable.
1,12
